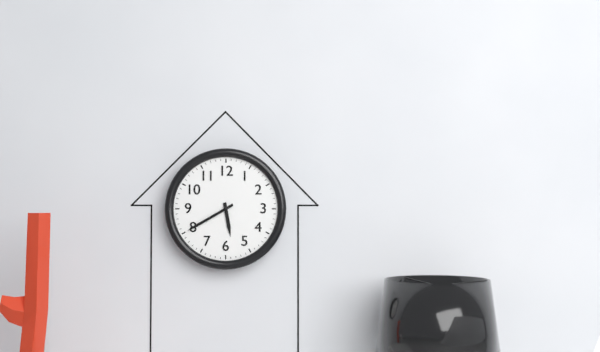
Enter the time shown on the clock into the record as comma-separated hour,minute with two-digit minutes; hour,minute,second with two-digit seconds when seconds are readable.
5,40
